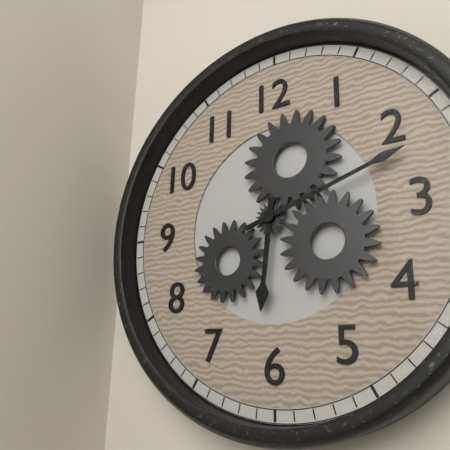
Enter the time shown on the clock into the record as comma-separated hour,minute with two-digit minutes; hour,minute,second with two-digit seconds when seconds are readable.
6,12
